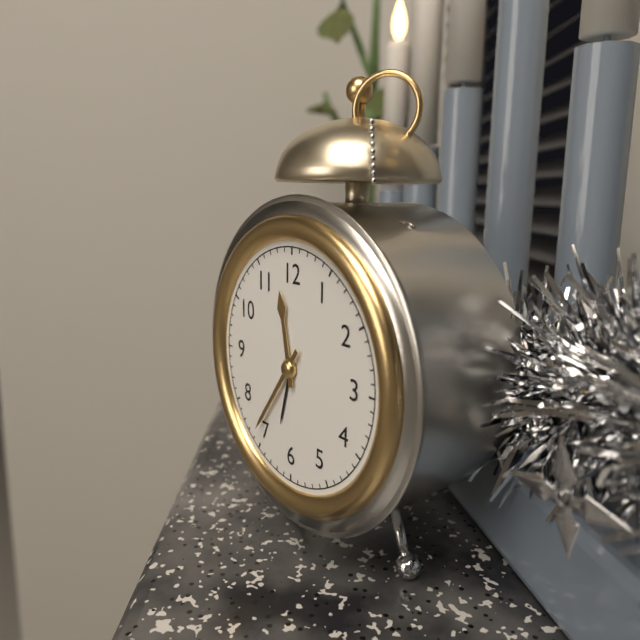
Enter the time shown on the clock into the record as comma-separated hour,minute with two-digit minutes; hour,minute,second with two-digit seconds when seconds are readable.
11,36
